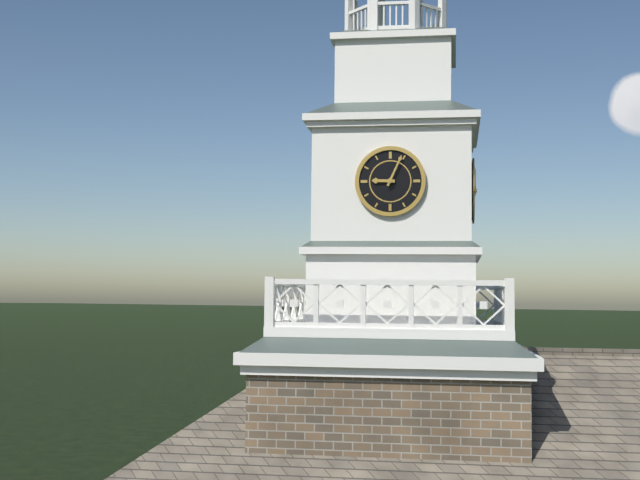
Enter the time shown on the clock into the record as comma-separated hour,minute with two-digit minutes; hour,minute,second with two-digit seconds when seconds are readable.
9,04
